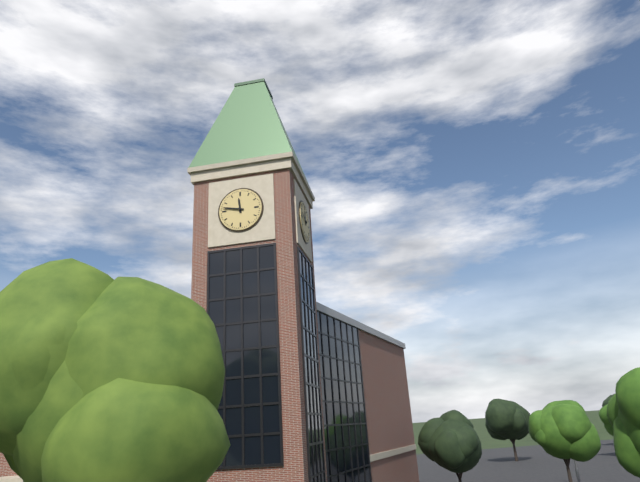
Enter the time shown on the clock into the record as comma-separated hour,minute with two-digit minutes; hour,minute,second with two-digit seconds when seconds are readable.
11,47
